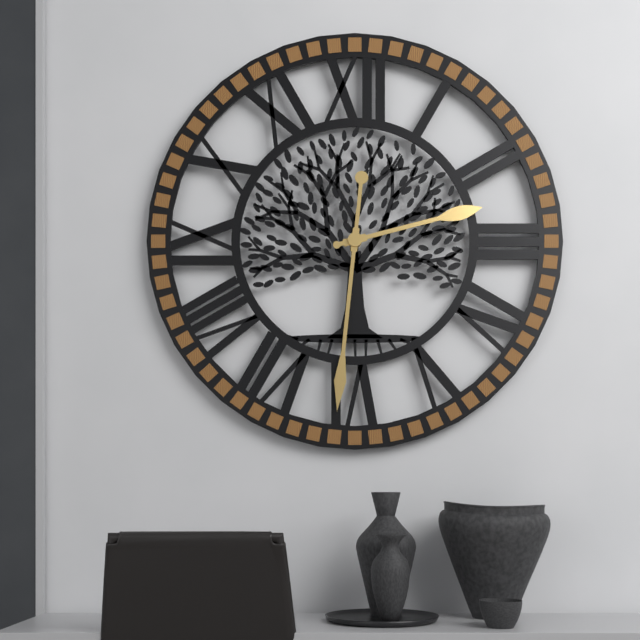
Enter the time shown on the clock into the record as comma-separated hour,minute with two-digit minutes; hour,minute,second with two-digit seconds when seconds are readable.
2,31
